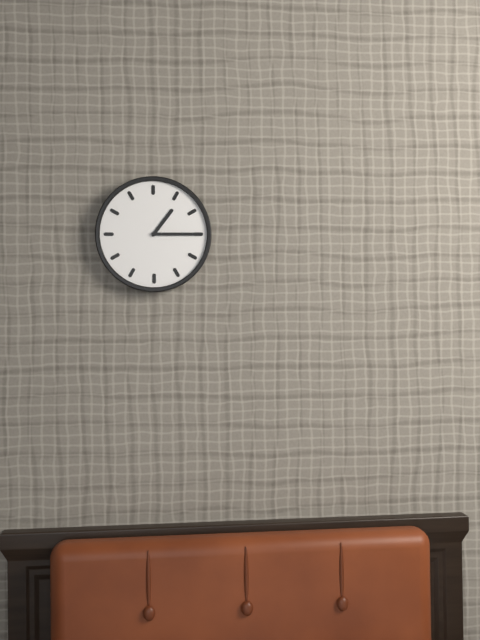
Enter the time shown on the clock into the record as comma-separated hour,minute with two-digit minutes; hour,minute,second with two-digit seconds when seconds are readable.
1,15
